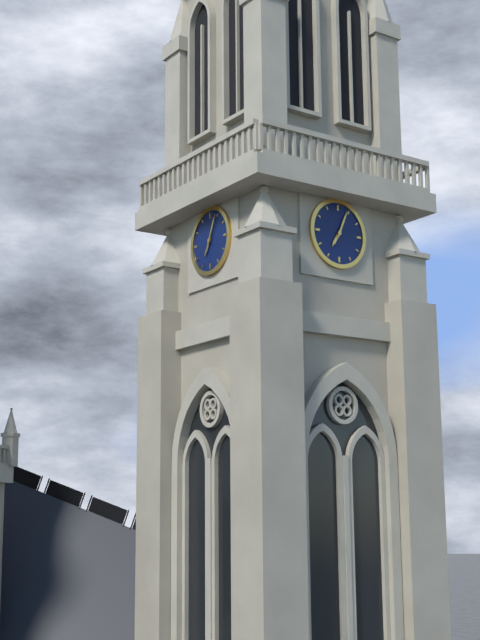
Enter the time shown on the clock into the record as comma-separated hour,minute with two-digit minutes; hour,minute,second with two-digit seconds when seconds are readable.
7,04
